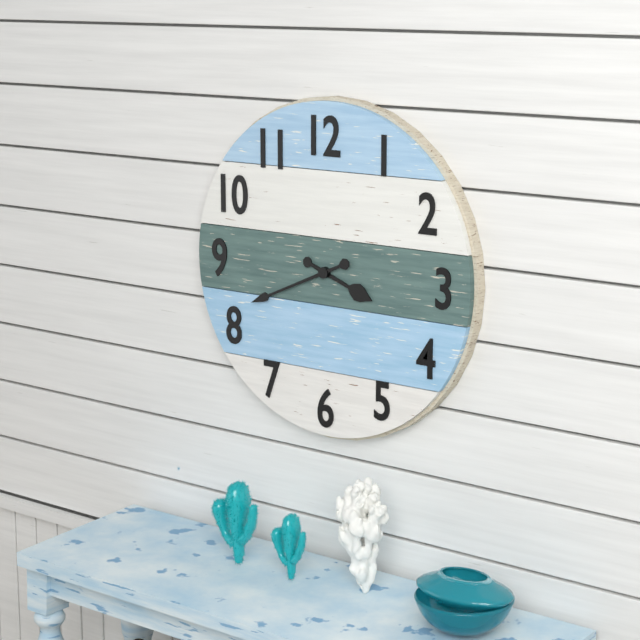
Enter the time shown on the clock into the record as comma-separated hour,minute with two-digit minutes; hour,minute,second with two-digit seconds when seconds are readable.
3,41
